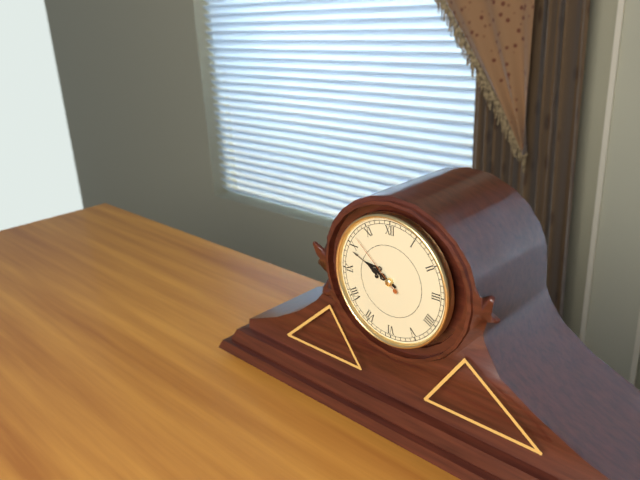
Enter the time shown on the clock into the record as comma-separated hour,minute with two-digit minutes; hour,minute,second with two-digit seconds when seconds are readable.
9,49,52
